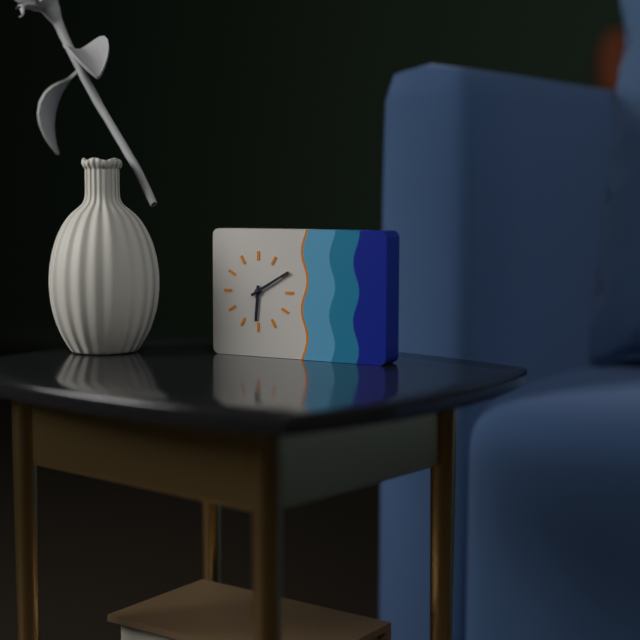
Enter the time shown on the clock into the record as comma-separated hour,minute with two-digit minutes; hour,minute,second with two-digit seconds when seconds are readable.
6,10
